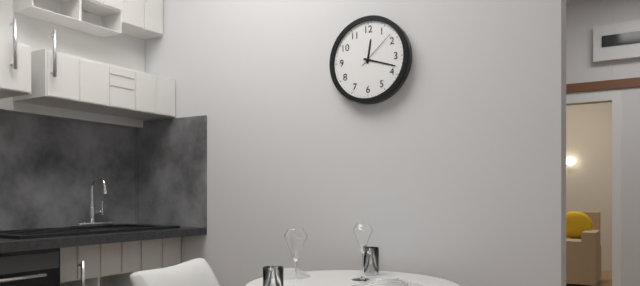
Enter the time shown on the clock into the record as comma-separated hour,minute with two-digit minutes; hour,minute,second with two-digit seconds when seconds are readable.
12,18
